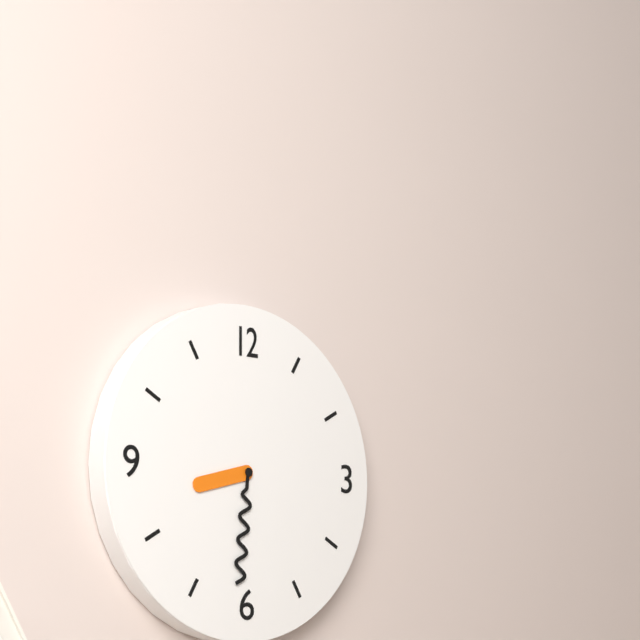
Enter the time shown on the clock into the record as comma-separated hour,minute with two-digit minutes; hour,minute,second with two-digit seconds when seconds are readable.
8,31
